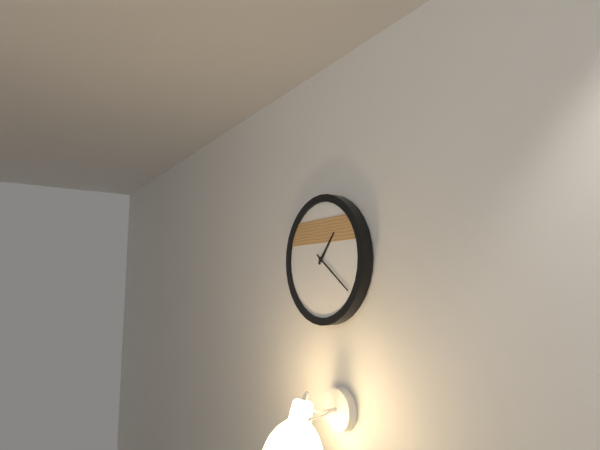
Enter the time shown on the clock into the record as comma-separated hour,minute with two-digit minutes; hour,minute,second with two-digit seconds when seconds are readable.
1,21
